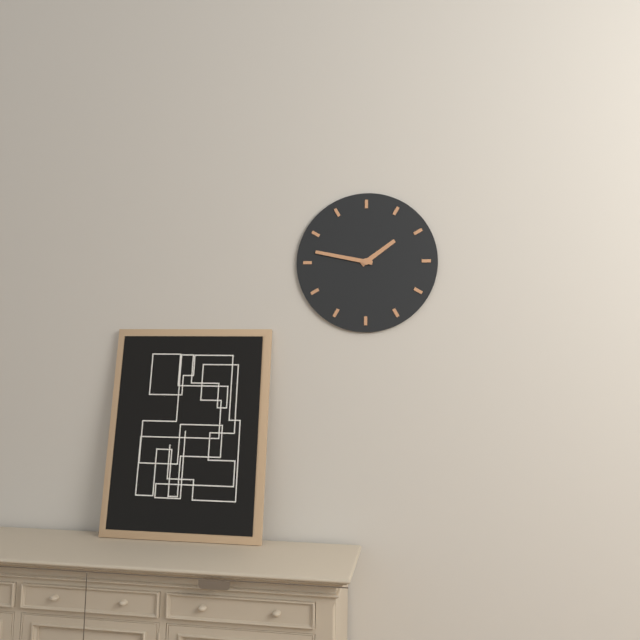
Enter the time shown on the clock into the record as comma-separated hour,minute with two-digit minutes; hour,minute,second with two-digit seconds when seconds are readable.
1,47
